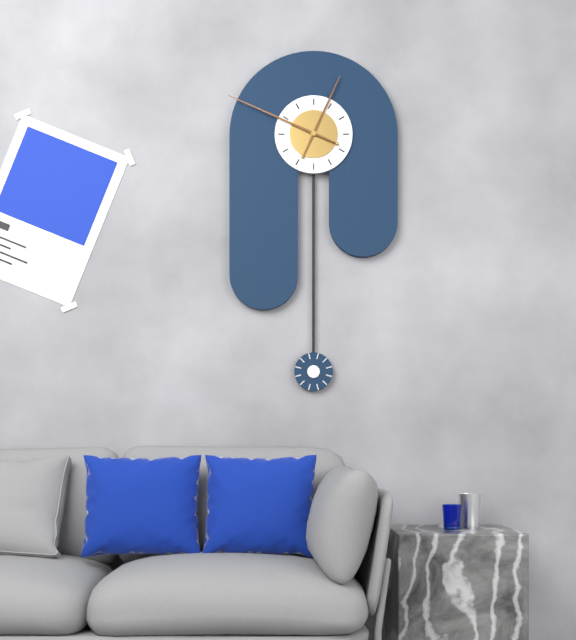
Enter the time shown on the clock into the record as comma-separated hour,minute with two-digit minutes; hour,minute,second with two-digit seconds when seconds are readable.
12,49
